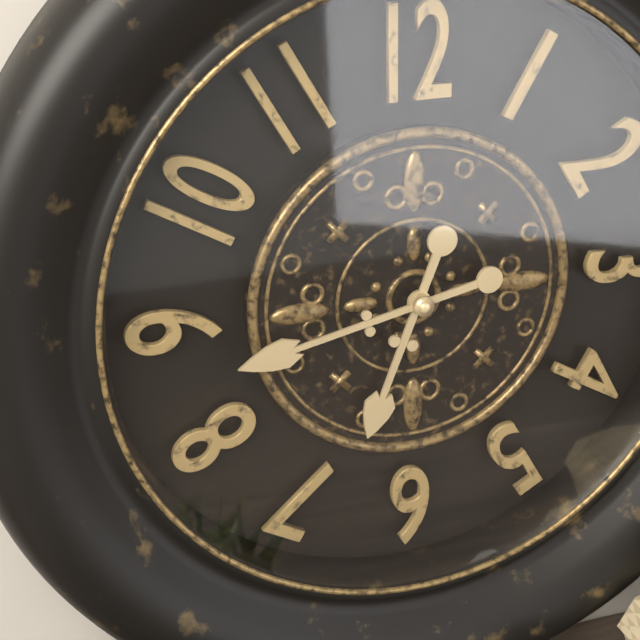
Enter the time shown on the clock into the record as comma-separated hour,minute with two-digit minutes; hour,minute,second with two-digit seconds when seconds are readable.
6,43
